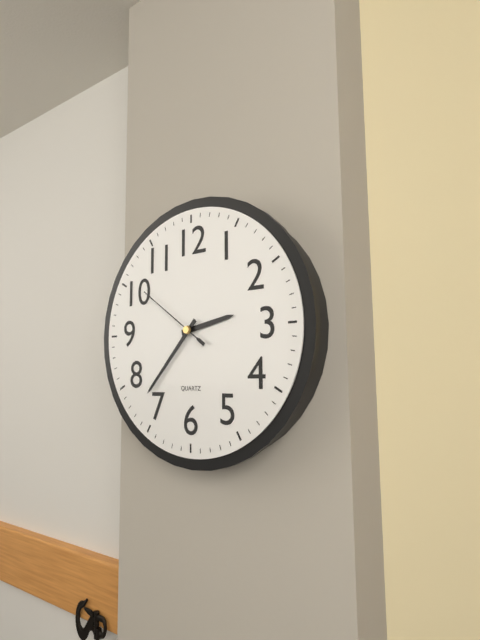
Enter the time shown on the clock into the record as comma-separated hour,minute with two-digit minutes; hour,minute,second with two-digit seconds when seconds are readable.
2,37,51
